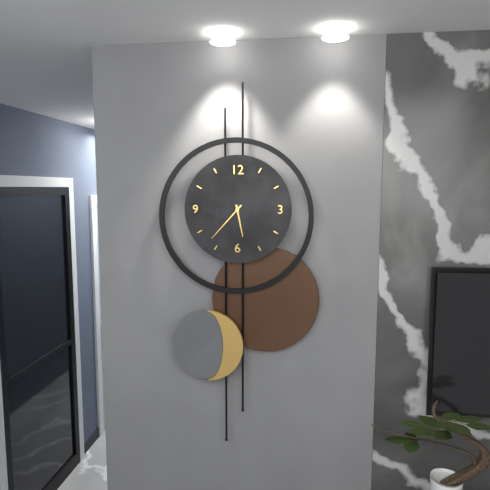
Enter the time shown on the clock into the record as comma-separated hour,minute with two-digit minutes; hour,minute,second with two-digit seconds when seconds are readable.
5,37
